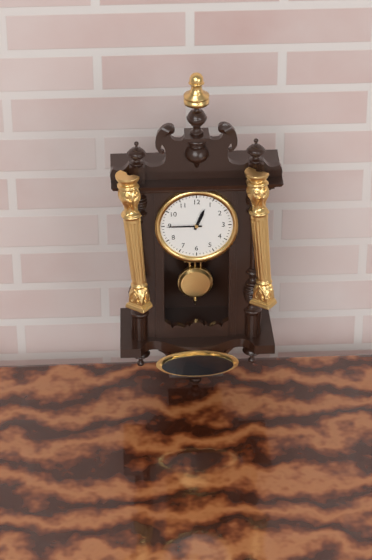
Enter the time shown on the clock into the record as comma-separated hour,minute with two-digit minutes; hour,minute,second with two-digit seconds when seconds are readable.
12,45
